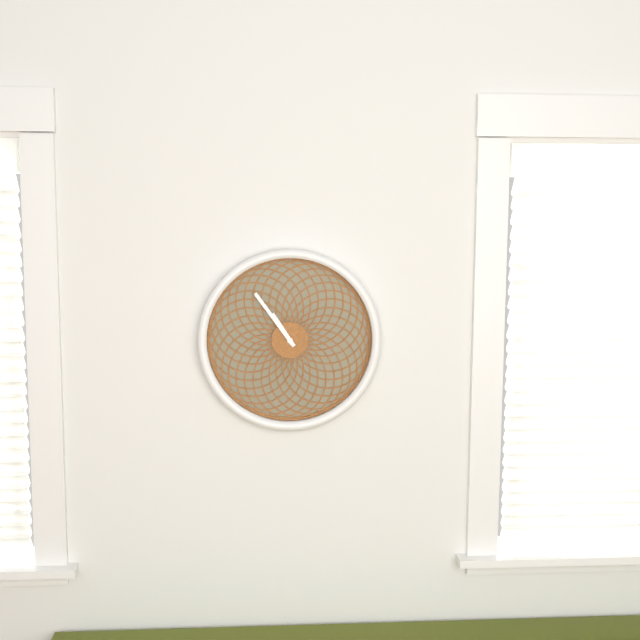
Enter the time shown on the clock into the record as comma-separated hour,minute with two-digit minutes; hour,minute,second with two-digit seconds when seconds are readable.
10,54
